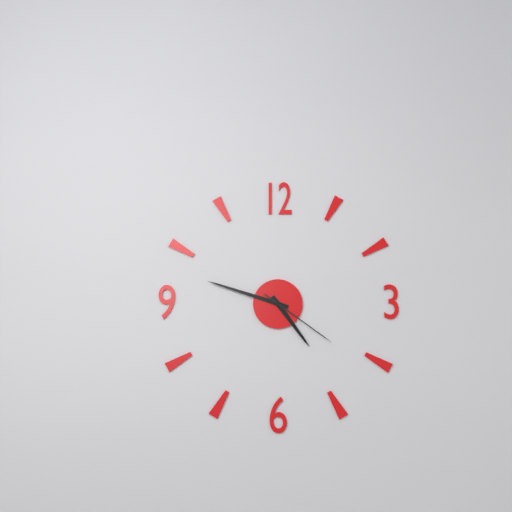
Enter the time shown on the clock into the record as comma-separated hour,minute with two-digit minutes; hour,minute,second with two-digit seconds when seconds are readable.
4,48,21
